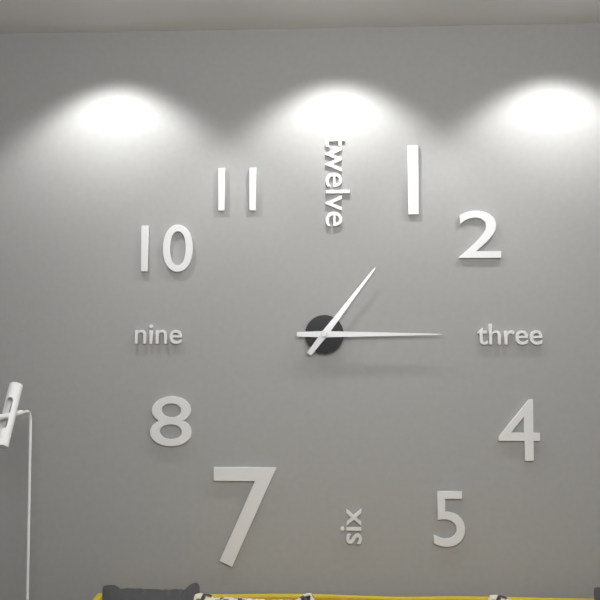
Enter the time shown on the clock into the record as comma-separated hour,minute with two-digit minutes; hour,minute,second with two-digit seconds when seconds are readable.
1,15
